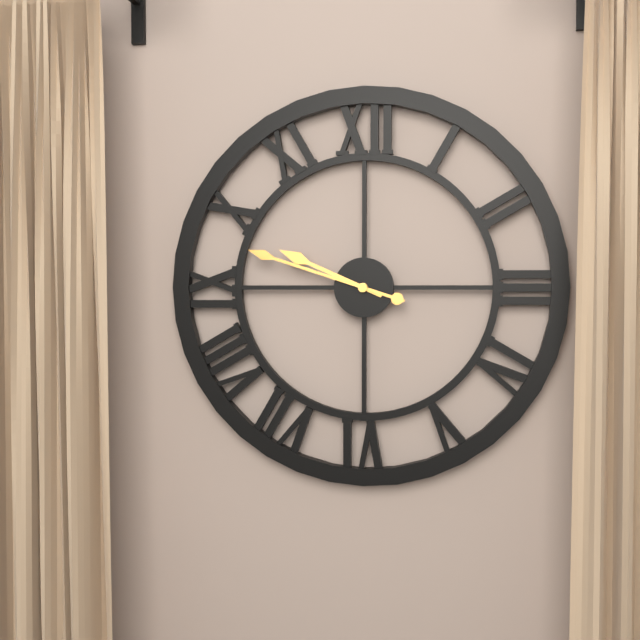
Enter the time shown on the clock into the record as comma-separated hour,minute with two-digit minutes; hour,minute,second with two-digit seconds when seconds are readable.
9,48
